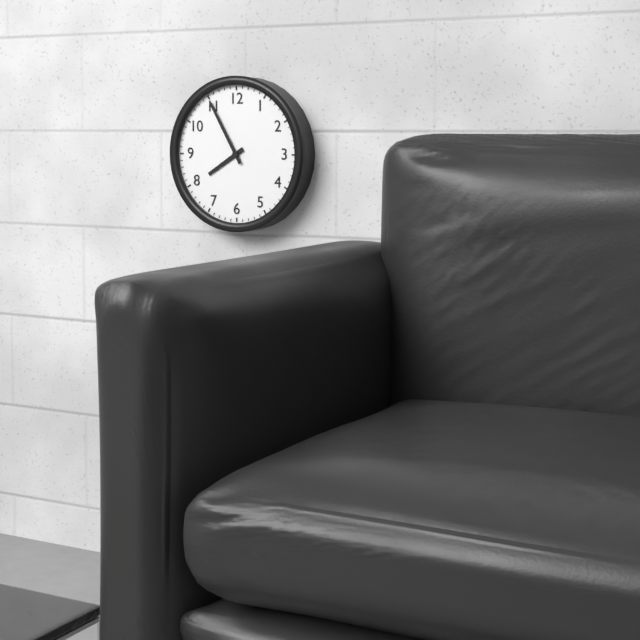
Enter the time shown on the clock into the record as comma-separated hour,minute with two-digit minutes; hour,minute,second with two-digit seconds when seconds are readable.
7,55
